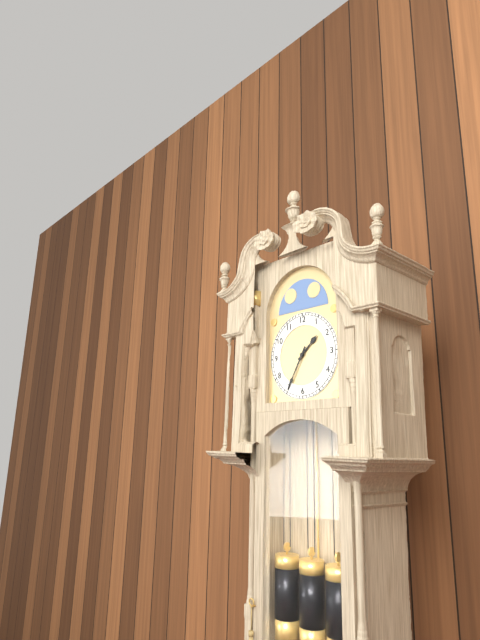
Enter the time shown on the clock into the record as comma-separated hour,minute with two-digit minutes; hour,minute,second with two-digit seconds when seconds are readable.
1,35
